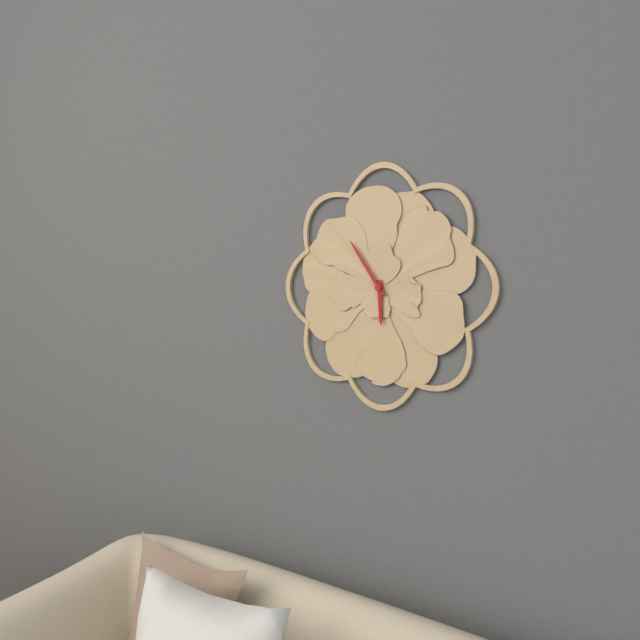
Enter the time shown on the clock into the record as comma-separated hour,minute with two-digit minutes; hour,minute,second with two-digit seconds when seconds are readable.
5,54
